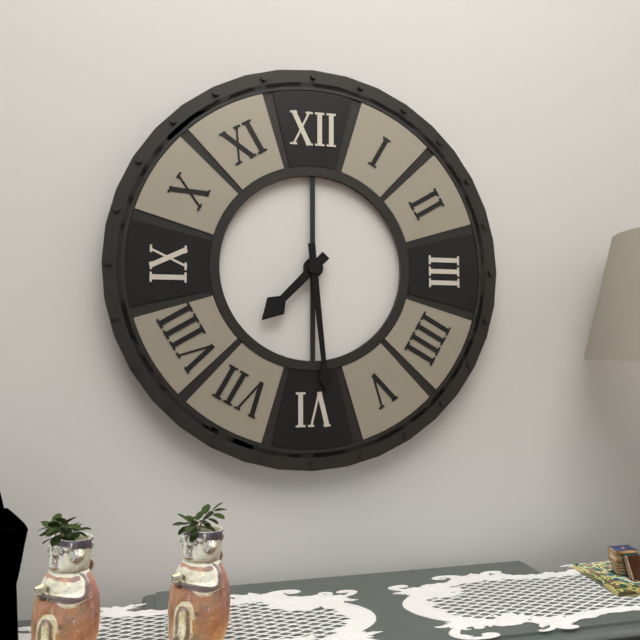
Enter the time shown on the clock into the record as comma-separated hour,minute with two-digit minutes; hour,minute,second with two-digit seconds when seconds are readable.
7,29
